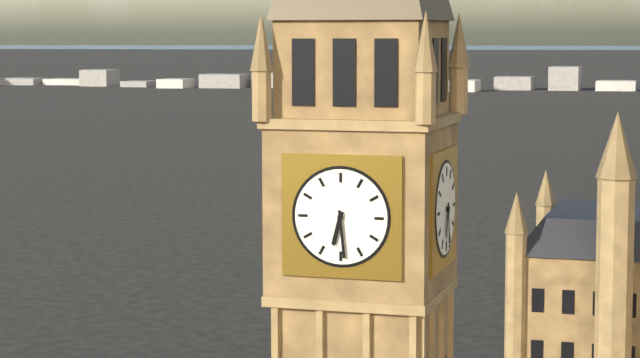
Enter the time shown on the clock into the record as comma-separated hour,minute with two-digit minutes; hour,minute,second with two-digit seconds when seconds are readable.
6,29
